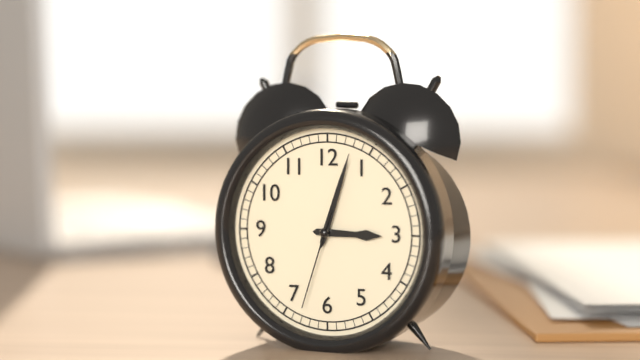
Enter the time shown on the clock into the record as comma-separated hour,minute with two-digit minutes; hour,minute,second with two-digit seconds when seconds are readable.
3,03,33
